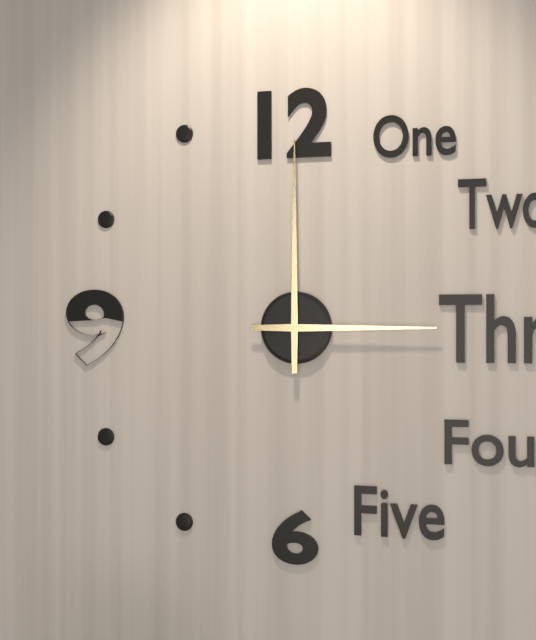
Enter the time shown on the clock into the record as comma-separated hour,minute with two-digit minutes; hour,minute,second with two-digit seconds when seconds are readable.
3,00
